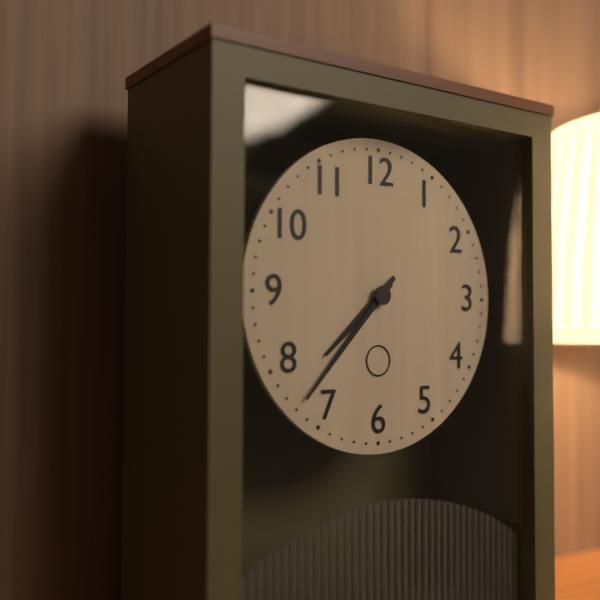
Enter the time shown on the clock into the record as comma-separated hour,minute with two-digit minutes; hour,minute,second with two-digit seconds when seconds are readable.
7,37
